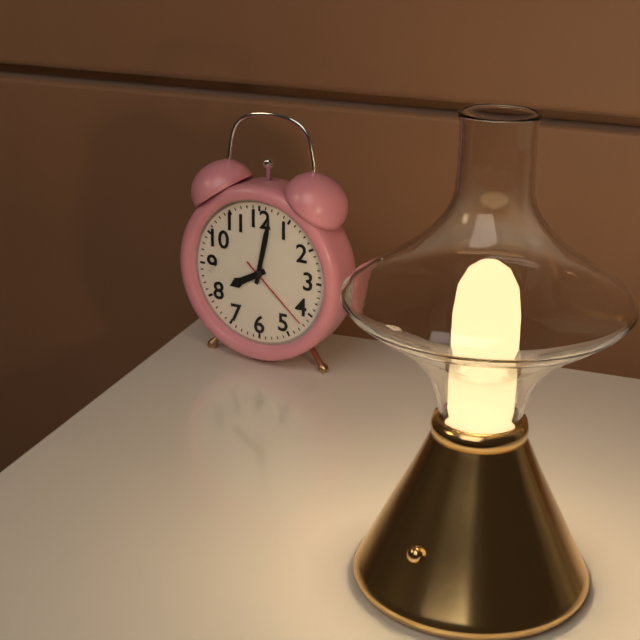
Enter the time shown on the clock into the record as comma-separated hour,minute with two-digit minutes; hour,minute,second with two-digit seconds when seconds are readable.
8,02,22
